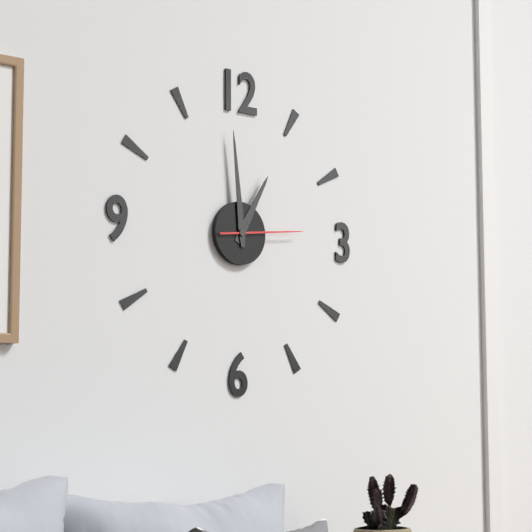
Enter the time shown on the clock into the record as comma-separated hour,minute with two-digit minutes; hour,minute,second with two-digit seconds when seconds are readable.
12,59,14
